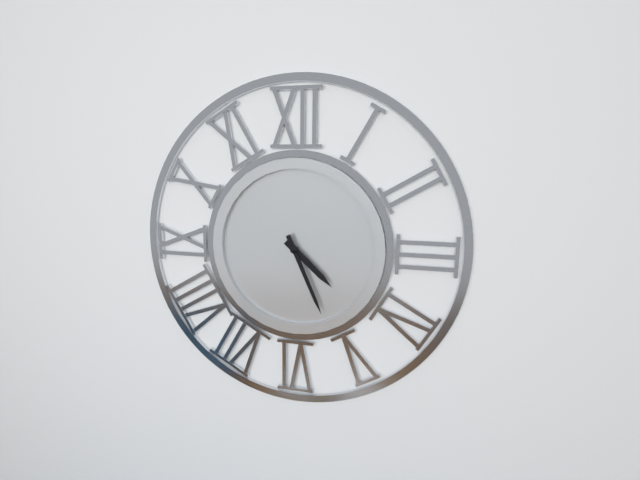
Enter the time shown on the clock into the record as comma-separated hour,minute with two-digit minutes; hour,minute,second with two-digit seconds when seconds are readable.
4,26
